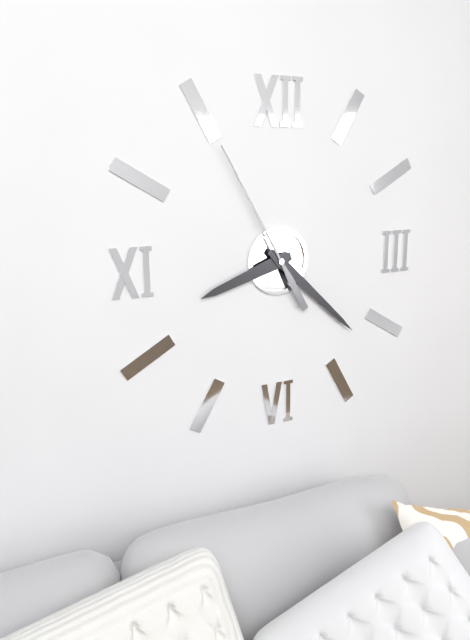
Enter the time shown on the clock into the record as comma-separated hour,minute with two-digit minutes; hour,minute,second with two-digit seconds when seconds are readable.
8,22,55
